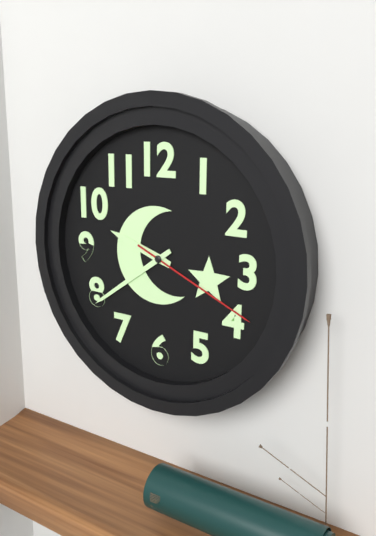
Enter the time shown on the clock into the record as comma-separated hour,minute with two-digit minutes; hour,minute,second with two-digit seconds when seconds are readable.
9,39,19
